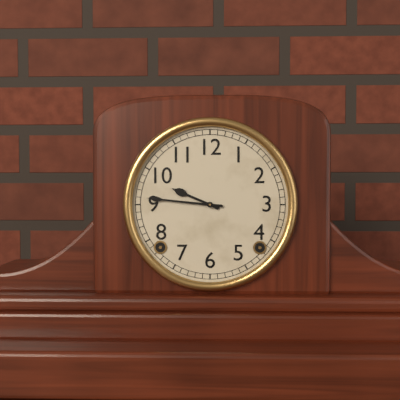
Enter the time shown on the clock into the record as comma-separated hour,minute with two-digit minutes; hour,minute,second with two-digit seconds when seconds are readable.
9,46
